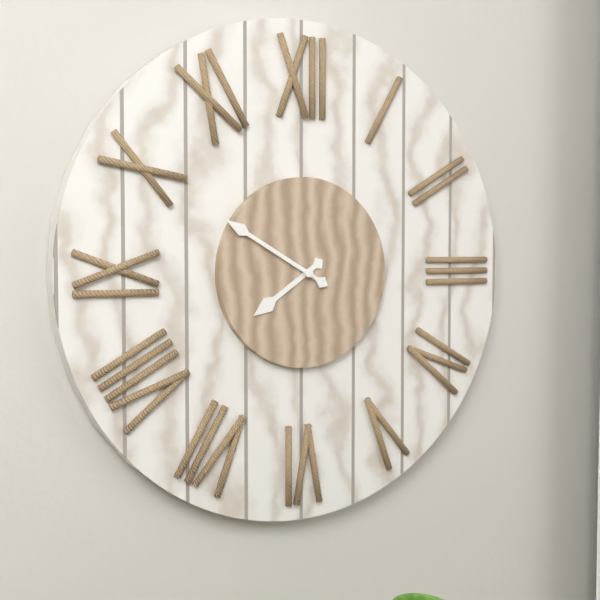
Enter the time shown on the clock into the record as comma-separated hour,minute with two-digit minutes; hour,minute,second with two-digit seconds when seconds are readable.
7,50
